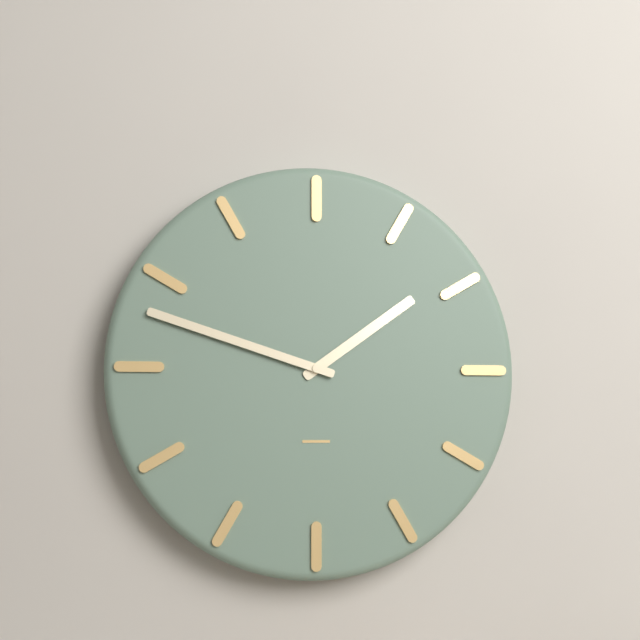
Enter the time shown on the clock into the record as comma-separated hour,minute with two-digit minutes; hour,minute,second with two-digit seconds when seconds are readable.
1,48
